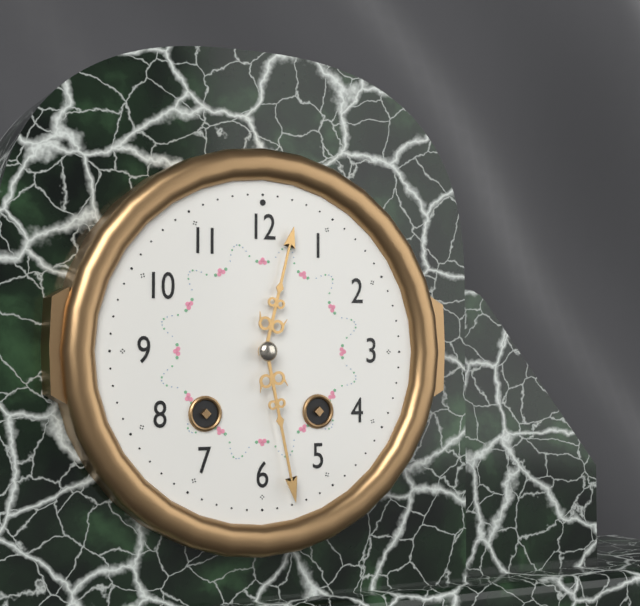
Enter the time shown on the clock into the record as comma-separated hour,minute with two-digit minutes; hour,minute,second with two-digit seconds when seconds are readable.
12,28
